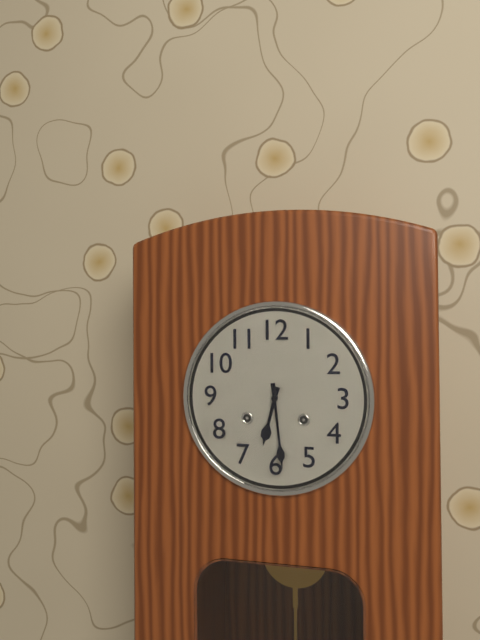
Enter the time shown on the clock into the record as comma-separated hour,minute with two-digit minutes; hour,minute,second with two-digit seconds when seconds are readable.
6,29
